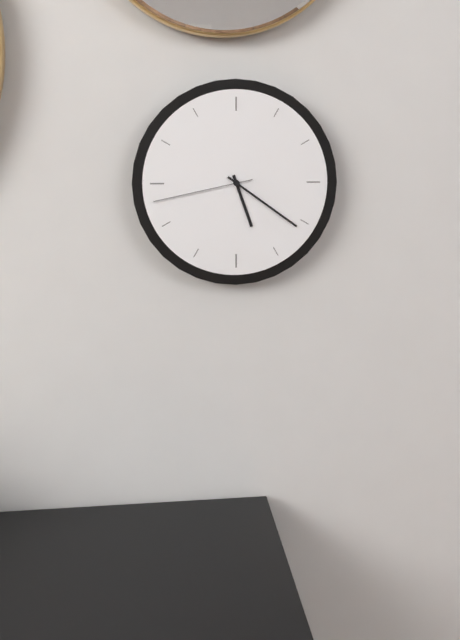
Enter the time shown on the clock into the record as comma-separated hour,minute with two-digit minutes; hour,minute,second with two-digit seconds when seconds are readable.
5,21,43
